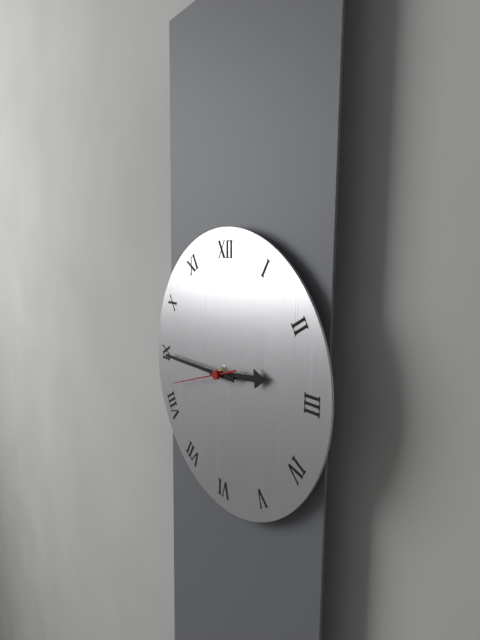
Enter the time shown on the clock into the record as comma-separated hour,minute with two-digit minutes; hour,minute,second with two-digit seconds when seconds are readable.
2,45,42
